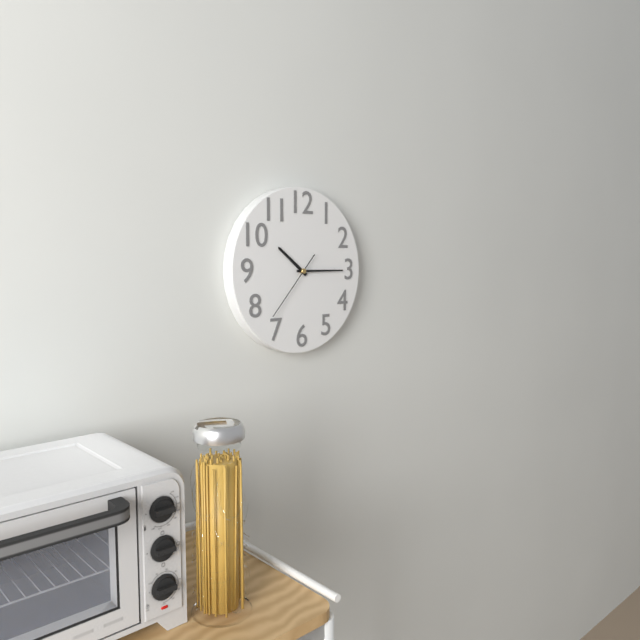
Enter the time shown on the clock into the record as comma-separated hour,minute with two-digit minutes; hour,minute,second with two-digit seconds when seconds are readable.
10,15,37
